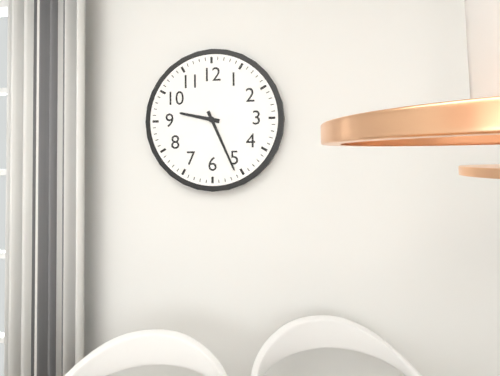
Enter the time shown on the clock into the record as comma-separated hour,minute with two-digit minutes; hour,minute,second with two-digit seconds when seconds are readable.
9,26
